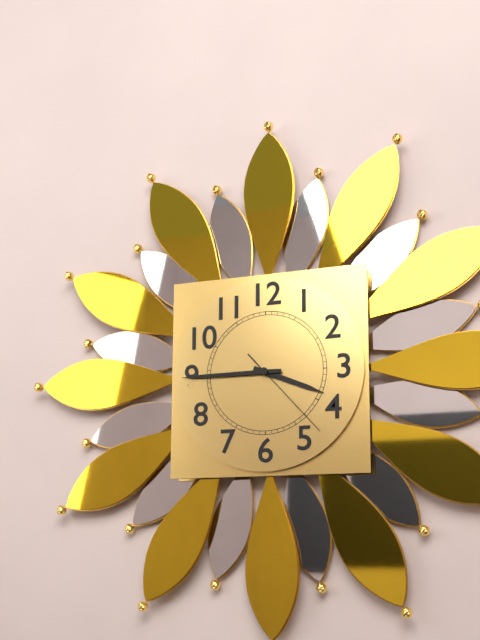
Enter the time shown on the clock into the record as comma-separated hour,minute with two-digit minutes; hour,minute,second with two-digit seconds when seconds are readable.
3,45,23
